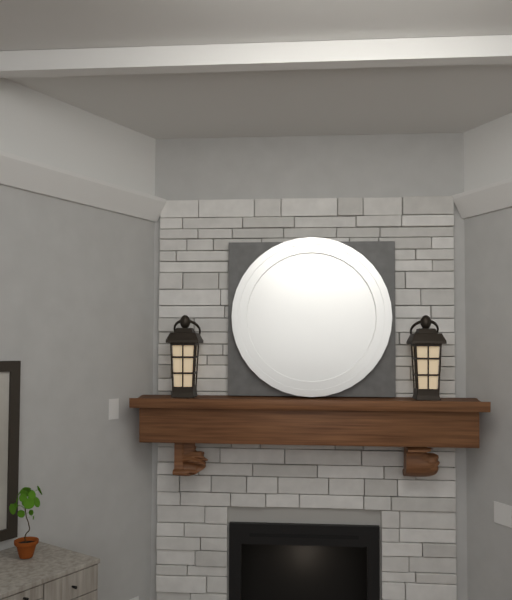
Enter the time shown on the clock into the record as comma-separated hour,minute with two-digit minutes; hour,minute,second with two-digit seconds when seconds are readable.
1,22
